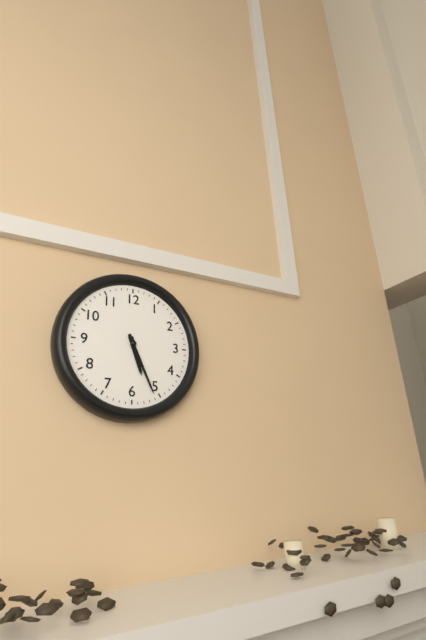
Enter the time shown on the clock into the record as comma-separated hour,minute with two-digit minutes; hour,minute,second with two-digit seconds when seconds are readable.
5,26
